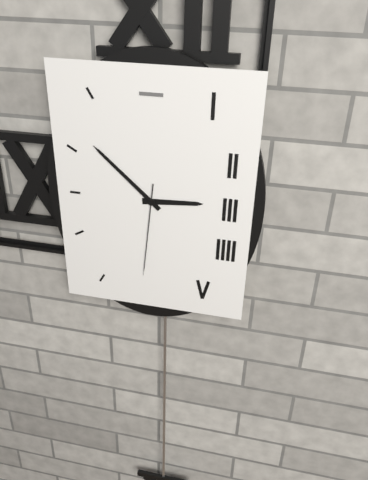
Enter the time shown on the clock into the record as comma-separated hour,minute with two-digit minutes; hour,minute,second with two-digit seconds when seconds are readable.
2,52,31
